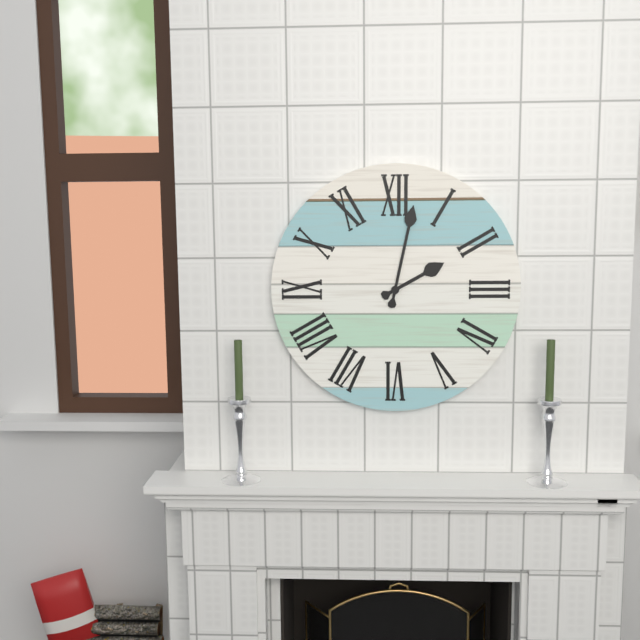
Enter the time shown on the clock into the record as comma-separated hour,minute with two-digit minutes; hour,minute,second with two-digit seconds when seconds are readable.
2,02
